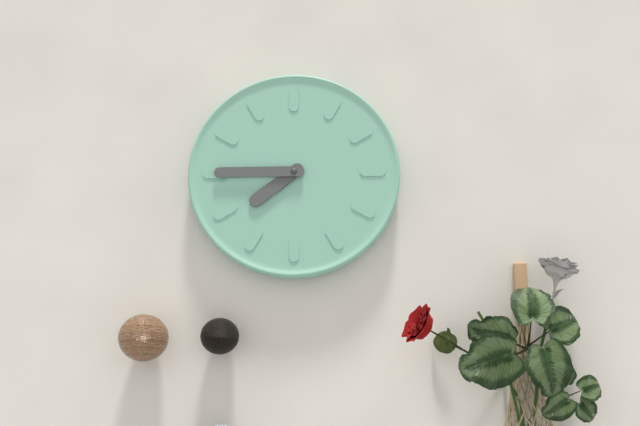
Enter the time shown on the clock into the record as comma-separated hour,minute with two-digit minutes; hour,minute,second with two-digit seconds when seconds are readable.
7,45
